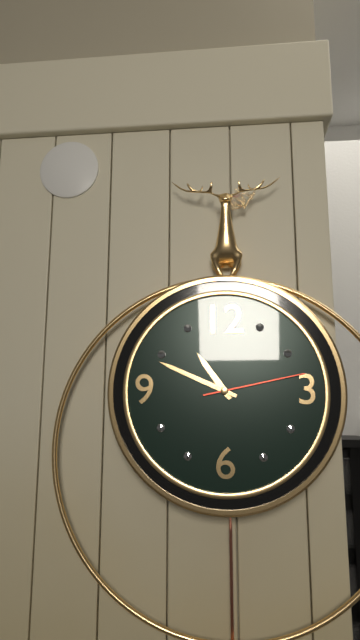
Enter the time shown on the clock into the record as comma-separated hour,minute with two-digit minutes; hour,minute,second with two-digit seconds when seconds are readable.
10,49,13
